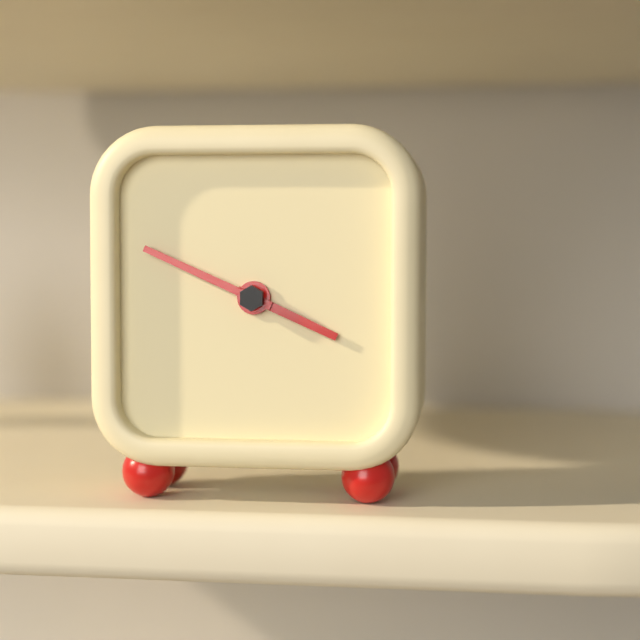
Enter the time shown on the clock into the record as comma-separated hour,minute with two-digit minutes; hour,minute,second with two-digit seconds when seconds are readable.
3,49
